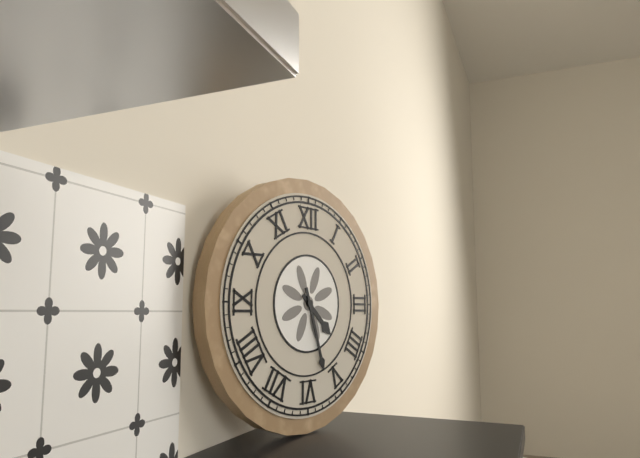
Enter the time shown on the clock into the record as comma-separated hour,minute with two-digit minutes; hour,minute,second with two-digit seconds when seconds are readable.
4,27
